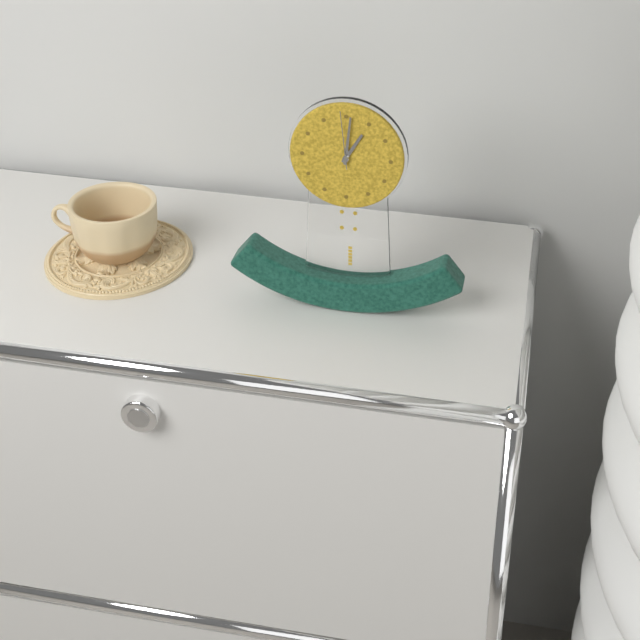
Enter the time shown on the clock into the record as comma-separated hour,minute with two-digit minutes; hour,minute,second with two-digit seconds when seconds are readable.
1,01,59
